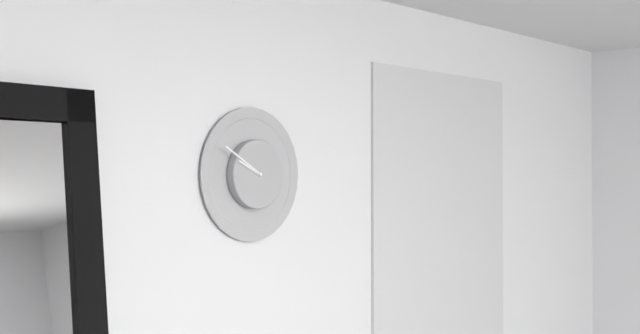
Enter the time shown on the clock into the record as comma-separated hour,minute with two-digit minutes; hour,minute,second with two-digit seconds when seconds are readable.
9,50
